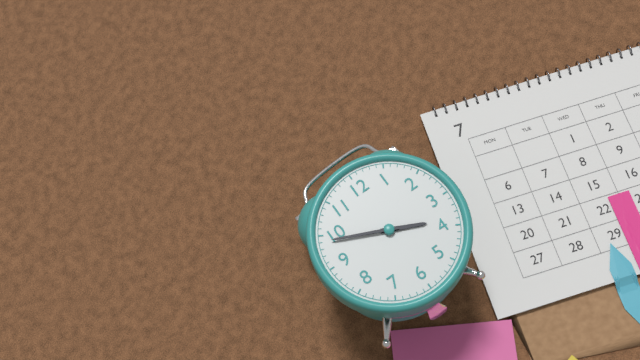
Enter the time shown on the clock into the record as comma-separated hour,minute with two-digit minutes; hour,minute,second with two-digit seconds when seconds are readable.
3,49
